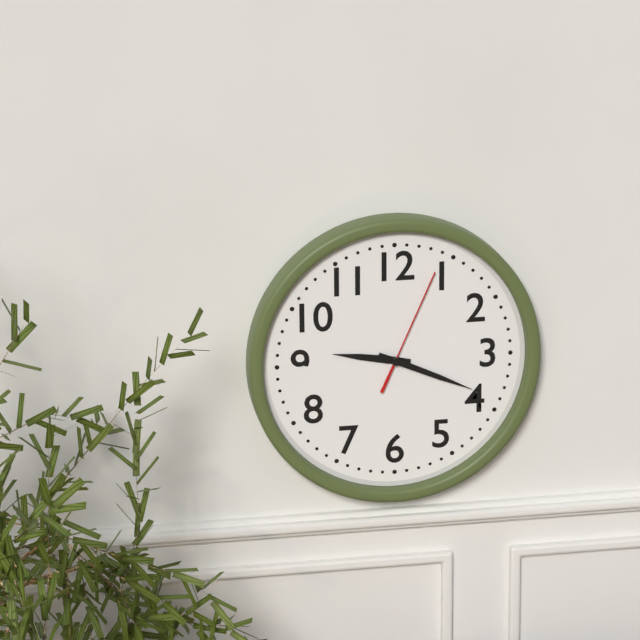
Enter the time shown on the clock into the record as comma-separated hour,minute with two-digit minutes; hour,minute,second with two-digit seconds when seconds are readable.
9,19,04
